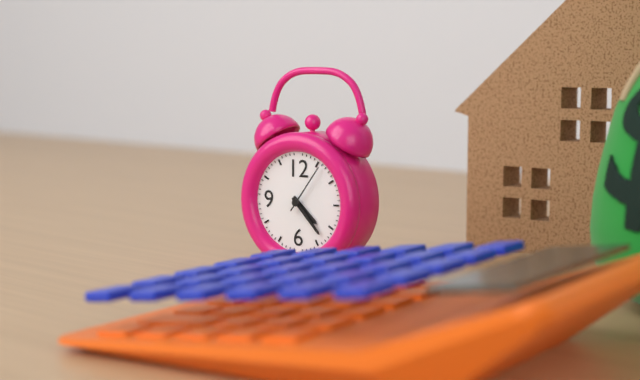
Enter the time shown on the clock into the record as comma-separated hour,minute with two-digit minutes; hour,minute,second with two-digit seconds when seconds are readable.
4,23,06
